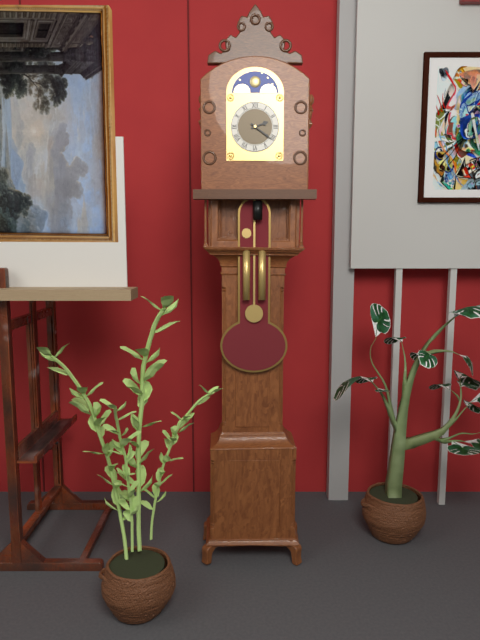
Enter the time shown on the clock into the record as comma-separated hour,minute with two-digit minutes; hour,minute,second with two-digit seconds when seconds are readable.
2,21
